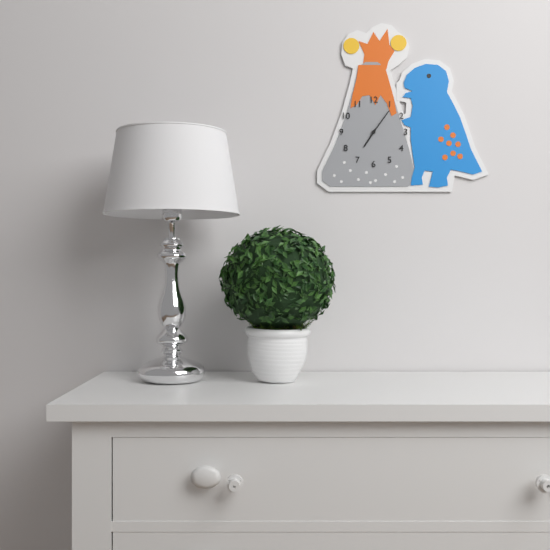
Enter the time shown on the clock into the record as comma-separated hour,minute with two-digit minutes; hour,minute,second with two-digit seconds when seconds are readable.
7,06
